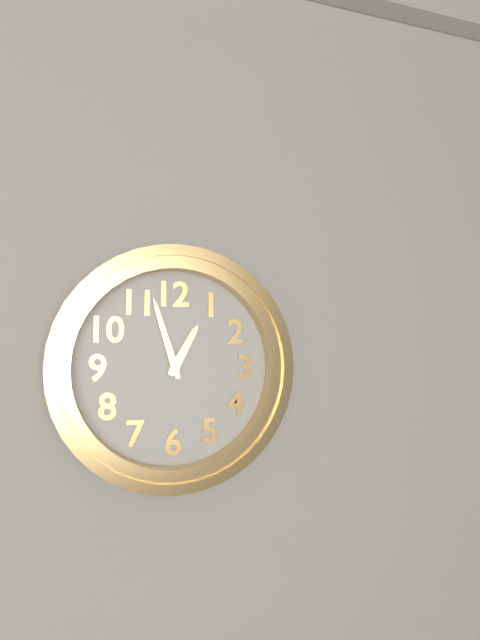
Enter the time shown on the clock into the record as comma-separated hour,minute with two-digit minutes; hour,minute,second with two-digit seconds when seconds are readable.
12,57
